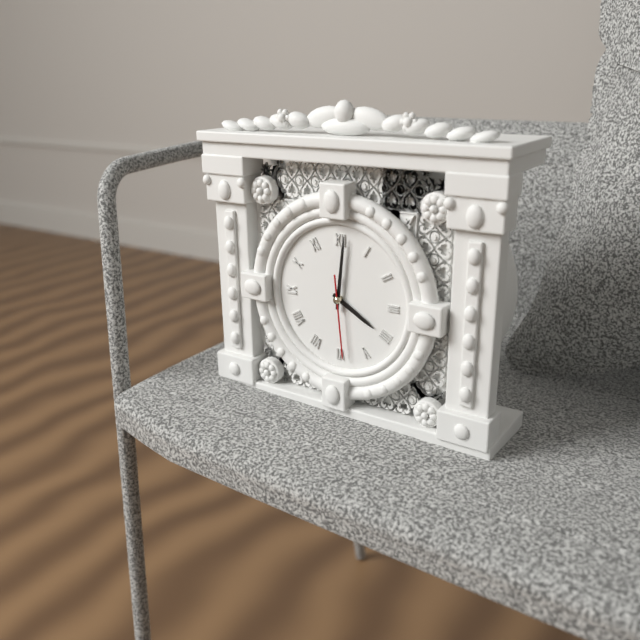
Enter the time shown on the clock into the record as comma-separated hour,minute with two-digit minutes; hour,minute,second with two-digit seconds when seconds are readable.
4,01,29
